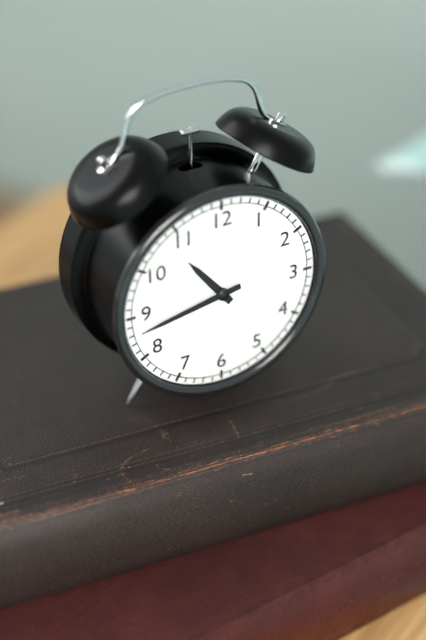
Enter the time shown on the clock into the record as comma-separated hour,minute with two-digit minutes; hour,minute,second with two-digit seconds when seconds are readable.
10,43
